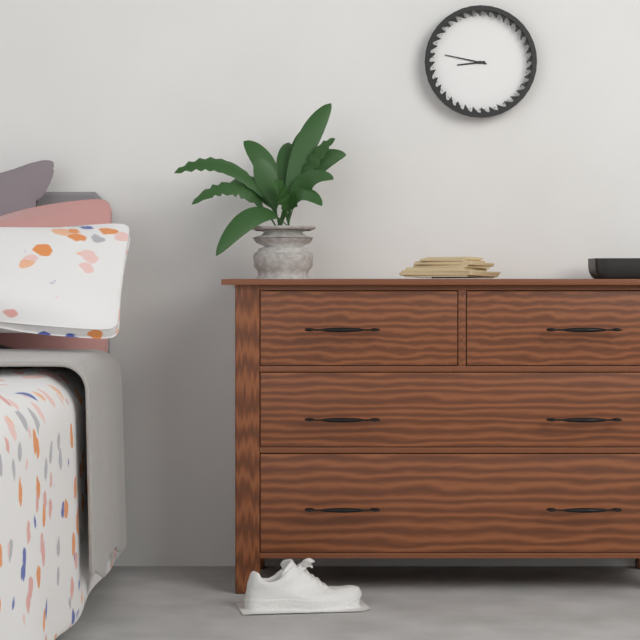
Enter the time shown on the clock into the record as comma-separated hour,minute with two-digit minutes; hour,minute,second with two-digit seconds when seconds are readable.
8,47
